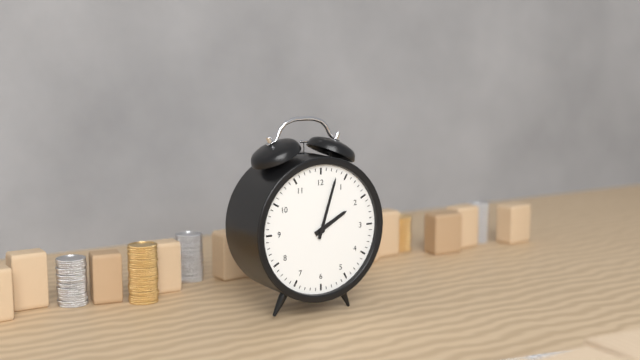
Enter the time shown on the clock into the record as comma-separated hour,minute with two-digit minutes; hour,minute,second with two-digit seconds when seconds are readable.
2,03
